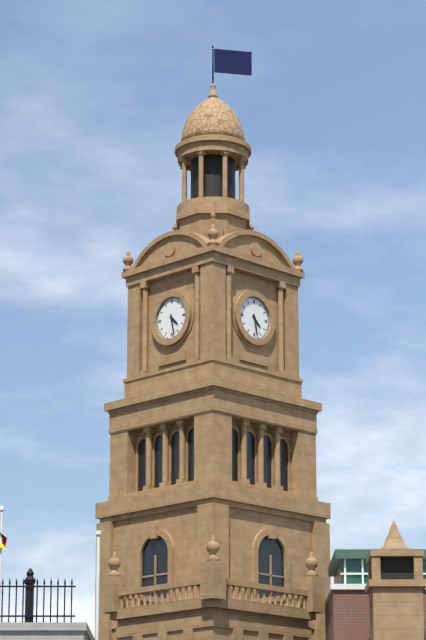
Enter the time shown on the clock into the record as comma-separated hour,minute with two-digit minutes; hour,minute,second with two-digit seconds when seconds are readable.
4,28
